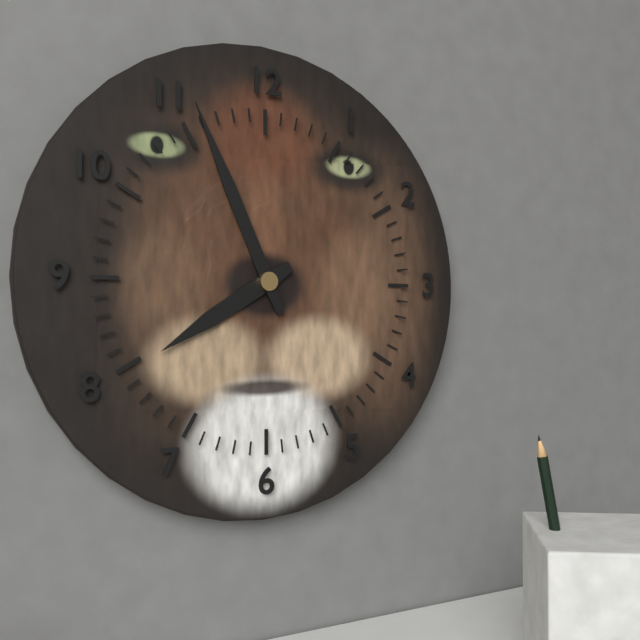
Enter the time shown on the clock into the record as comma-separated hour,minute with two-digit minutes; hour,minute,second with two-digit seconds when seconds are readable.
7,56
